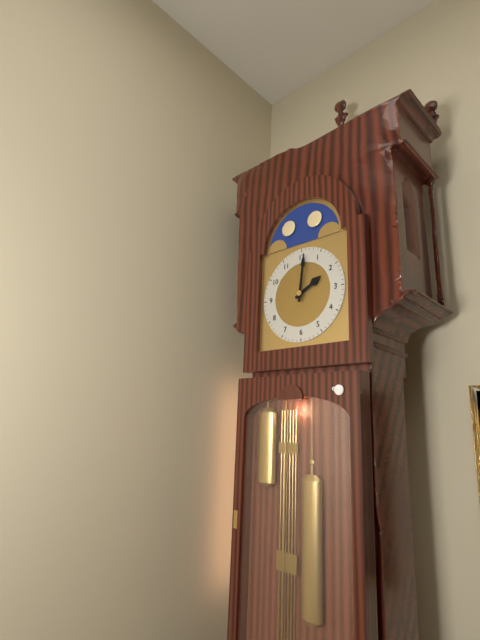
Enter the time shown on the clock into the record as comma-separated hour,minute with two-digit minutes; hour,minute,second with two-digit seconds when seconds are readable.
2,01
